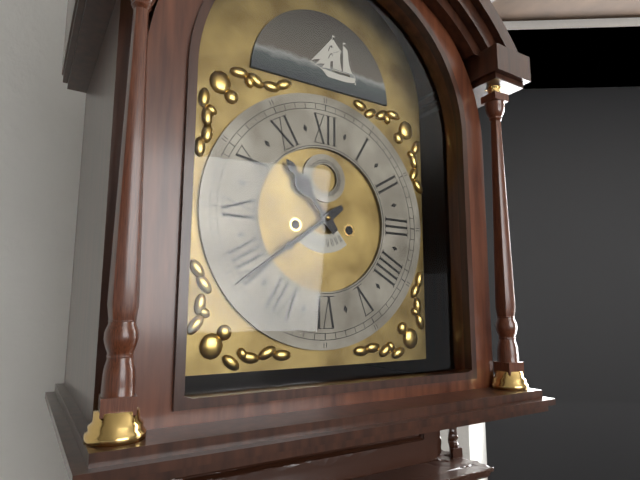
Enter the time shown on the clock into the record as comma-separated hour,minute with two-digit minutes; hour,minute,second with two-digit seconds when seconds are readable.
10,39
